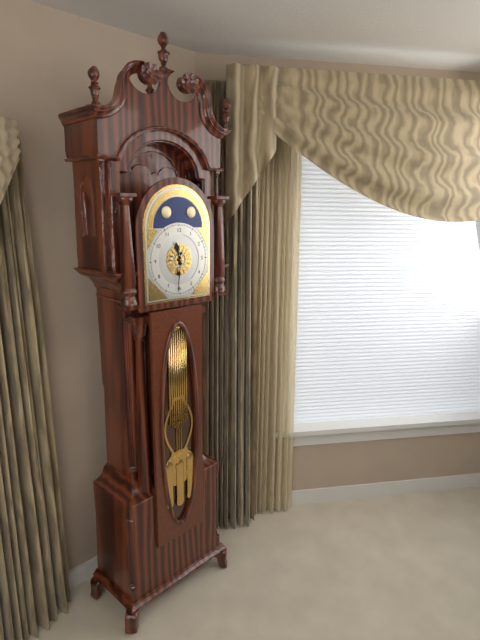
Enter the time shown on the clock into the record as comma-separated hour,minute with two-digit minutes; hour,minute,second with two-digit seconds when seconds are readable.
11,31
